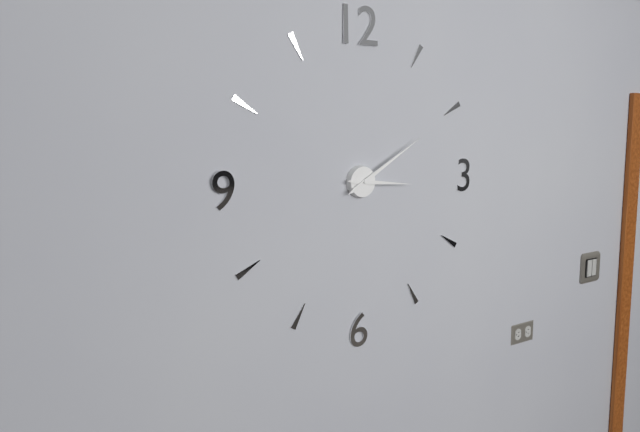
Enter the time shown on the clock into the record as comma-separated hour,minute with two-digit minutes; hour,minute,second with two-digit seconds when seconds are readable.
3,10
